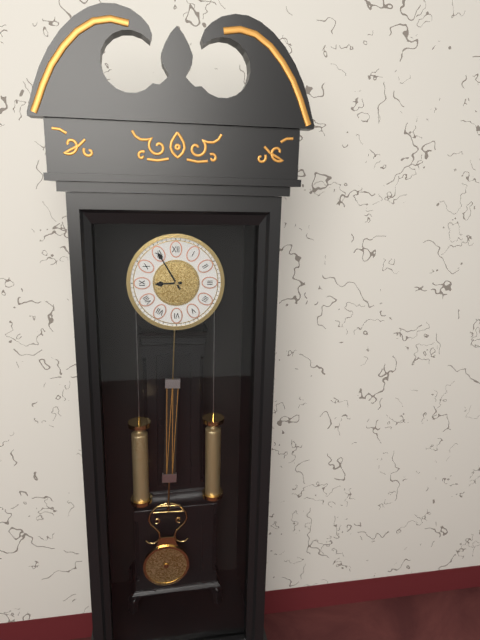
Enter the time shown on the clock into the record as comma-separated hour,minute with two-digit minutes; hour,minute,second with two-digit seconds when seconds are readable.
8,55
